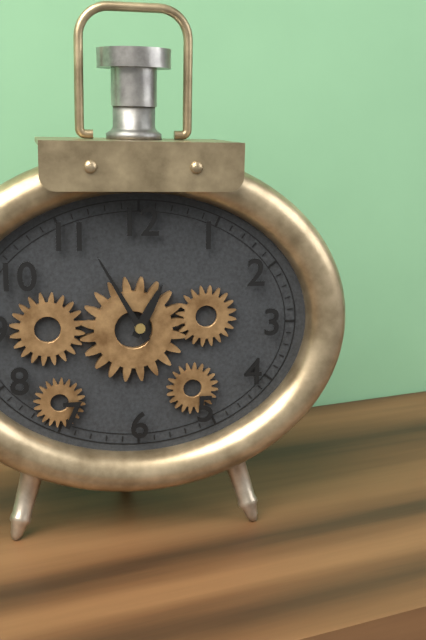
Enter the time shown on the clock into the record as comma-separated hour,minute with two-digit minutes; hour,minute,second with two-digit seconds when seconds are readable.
12,55
